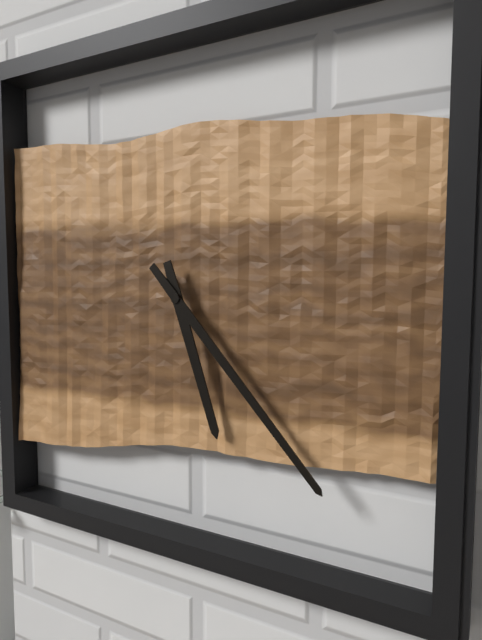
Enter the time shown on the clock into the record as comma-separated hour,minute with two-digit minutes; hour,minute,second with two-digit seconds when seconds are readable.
5,23
